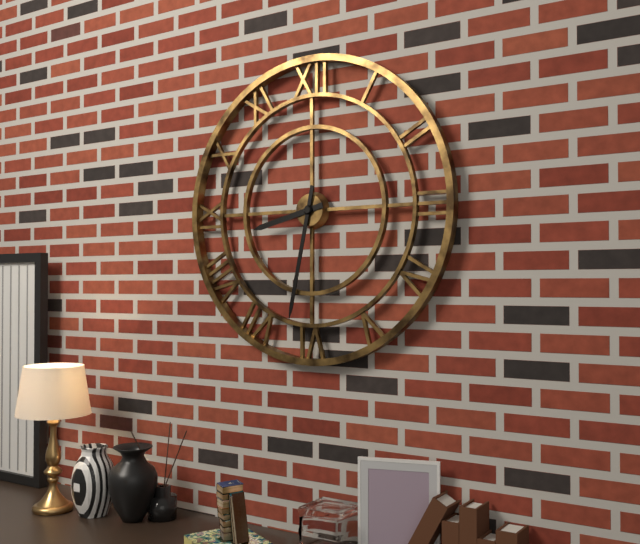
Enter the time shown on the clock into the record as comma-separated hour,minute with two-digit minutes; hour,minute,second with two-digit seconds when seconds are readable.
8,32
